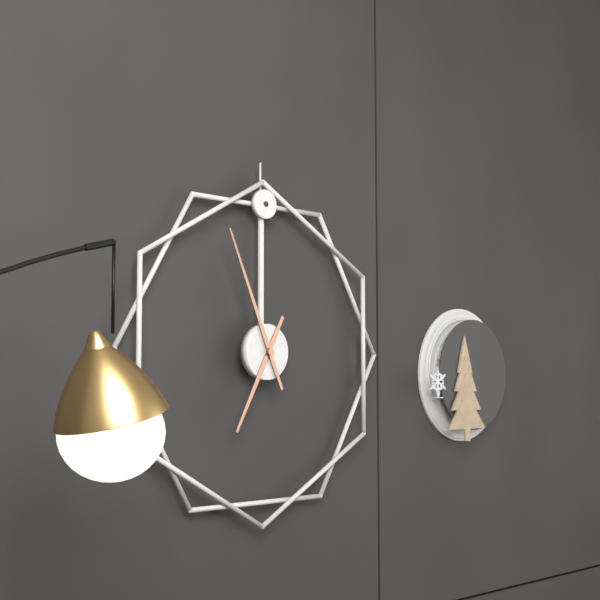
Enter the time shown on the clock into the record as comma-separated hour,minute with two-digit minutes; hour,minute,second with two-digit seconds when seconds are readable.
6,56
